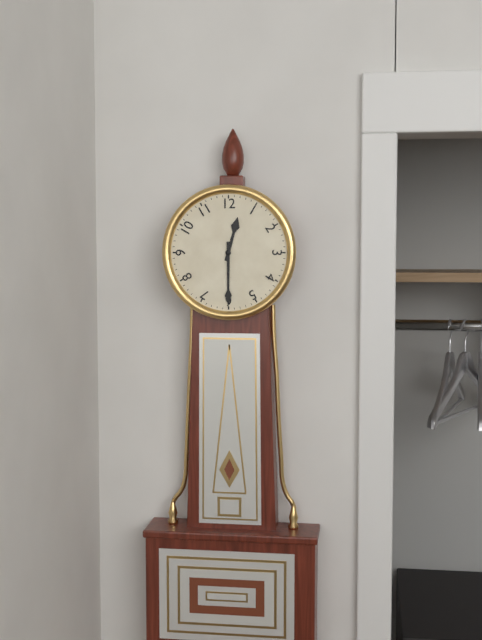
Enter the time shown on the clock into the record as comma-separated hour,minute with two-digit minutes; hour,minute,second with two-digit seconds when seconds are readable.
12,30
